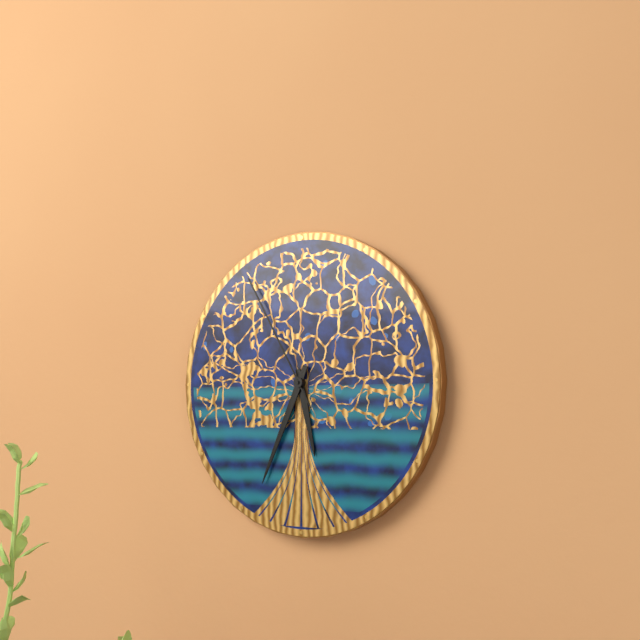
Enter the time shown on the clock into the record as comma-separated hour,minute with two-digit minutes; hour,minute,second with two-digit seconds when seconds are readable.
5,34,55
